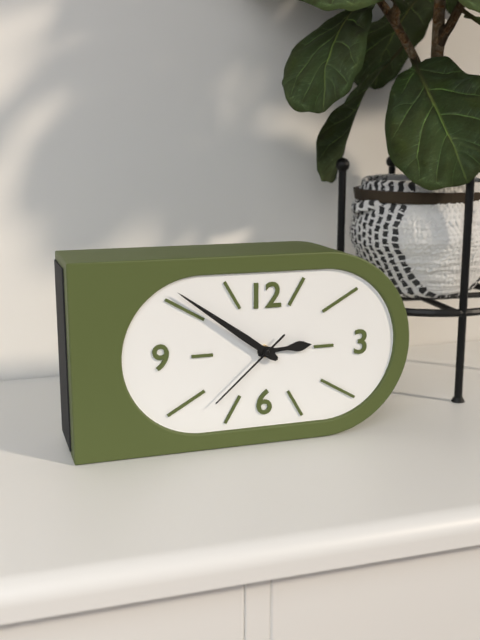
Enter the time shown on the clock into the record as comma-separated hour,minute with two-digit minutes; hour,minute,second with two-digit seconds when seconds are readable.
2,51,38
